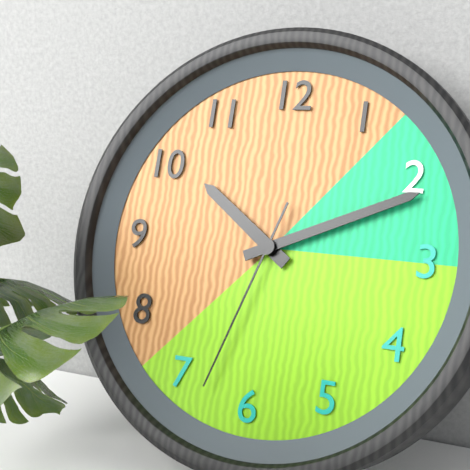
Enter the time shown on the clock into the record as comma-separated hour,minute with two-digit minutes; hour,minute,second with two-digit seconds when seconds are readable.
10,11,33
